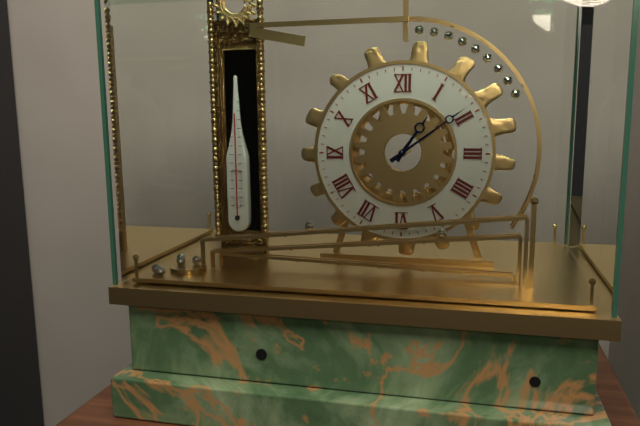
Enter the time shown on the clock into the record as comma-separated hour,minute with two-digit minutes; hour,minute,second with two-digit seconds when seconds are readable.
1,09
